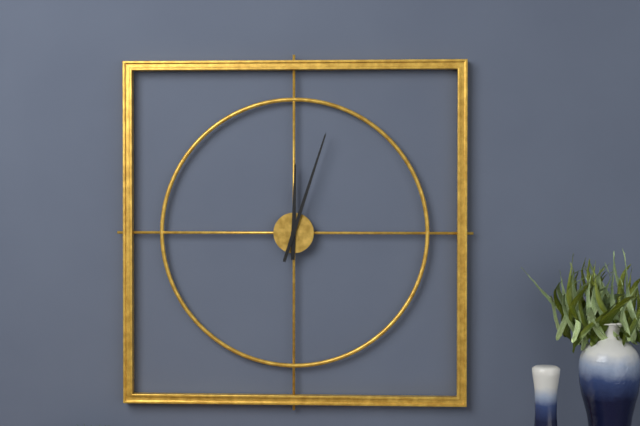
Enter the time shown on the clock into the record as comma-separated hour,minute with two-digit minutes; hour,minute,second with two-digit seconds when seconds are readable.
12,03
